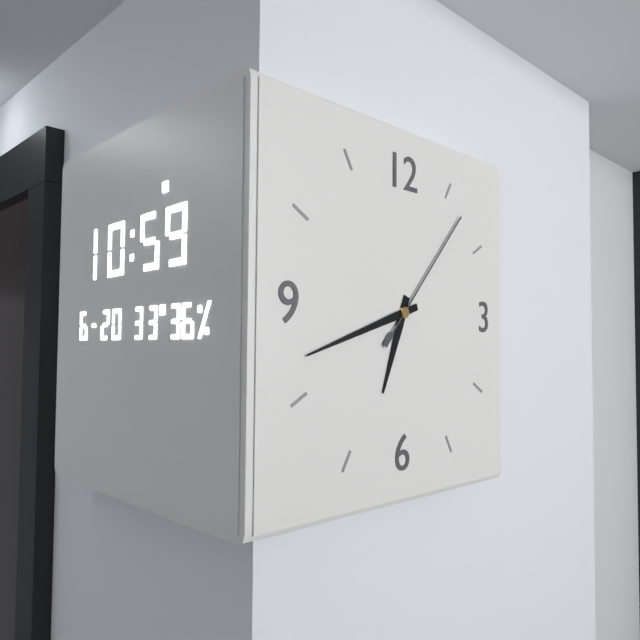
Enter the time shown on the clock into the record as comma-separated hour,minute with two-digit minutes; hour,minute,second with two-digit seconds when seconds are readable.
6,42,07
